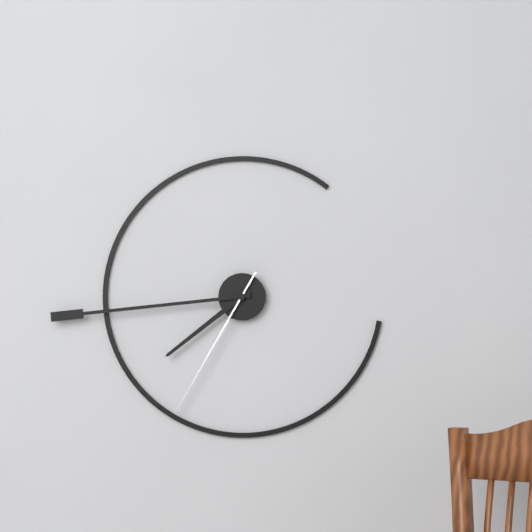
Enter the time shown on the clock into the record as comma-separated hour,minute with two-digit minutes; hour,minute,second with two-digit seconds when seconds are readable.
7,44,35
